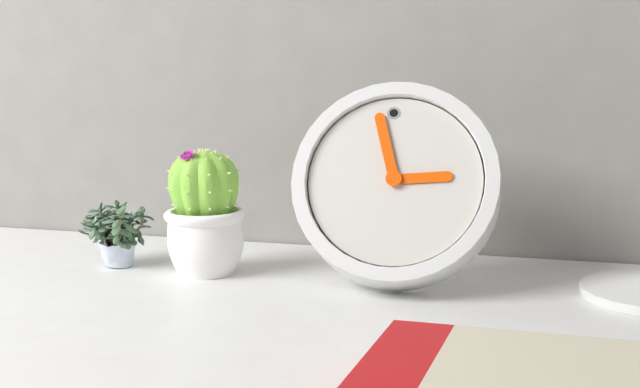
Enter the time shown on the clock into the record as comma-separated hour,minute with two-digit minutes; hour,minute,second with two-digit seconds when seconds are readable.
2,58
